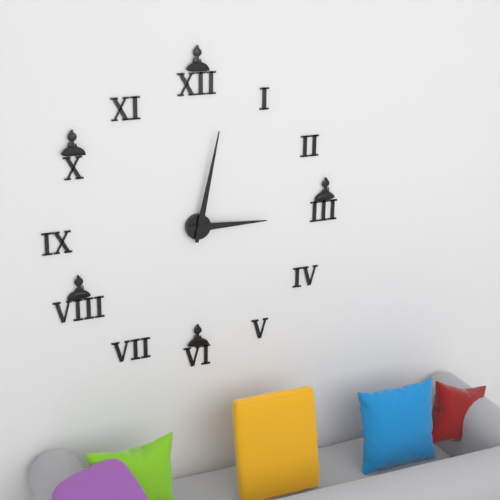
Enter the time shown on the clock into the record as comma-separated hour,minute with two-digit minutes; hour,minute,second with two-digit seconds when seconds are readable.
3,02
